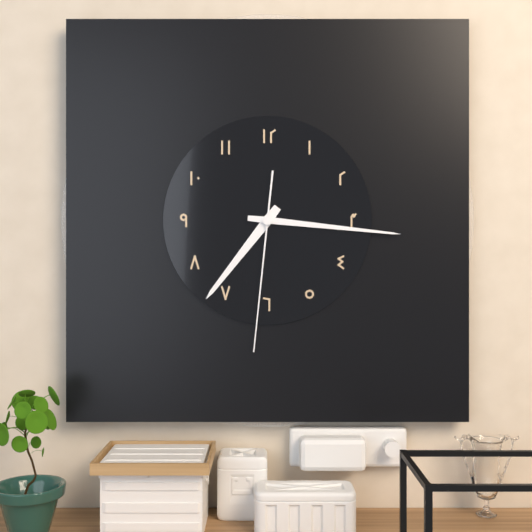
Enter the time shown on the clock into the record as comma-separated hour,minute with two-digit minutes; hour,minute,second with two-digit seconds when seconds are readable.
7,16,31
